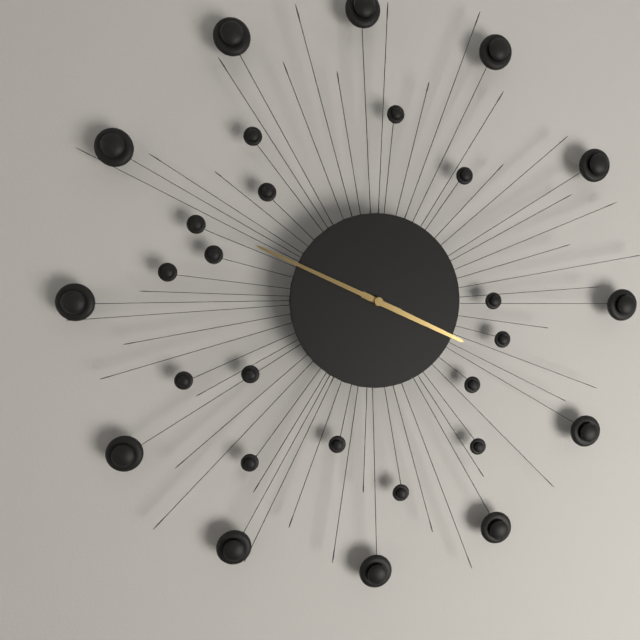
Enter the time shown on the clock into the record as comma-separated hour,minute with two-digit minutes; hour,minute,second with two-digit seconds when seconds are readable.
3,49
